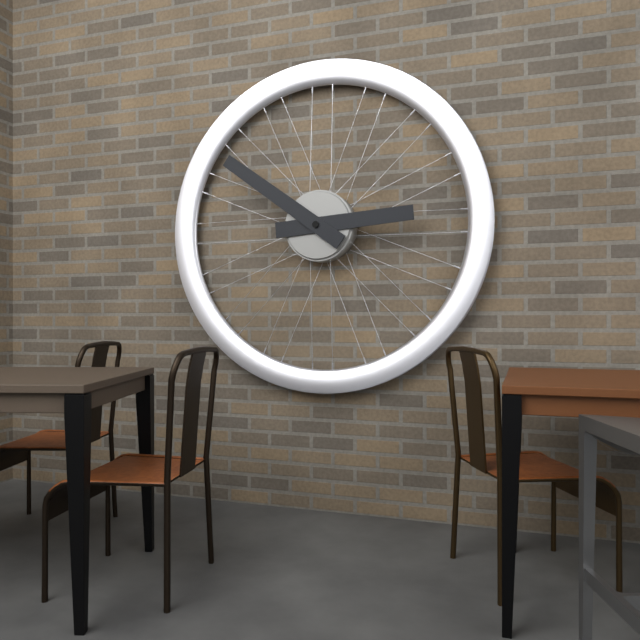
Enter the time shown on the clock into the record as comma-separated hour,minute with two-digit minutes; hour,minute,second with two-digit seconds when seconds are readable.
2,51
